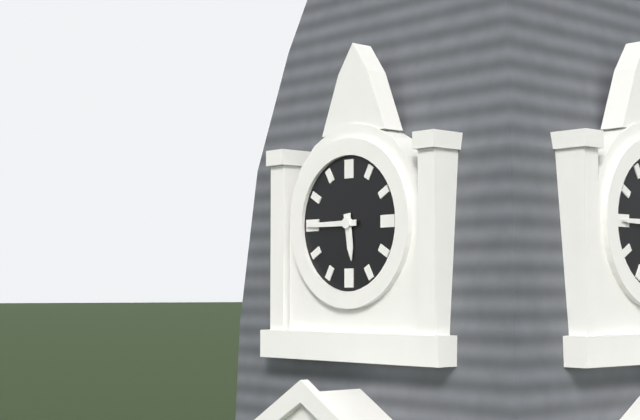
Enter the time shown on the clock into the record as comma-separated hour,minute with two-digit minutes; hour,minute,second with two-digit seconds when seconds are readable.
5,45
